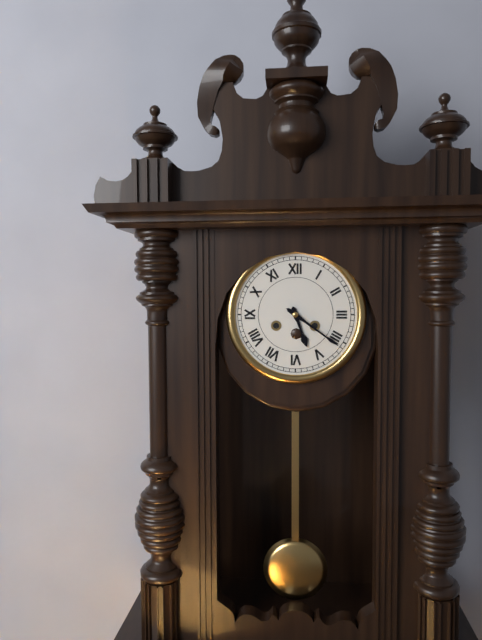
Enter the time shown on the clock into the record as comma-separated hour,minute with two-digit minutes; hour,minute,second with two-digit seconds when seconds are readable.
5,21
